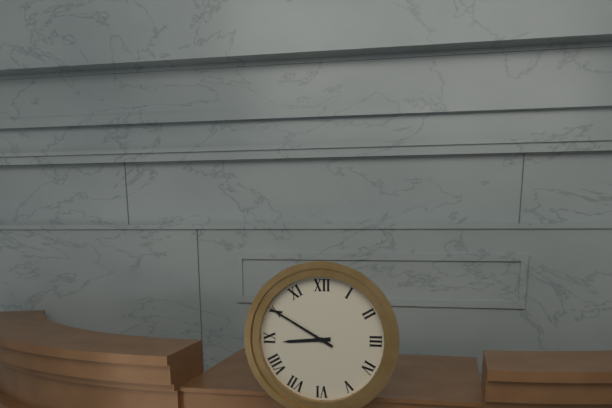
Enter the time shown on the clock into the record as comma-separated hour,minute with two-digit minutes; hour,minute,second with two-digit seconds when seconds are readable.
8,50
